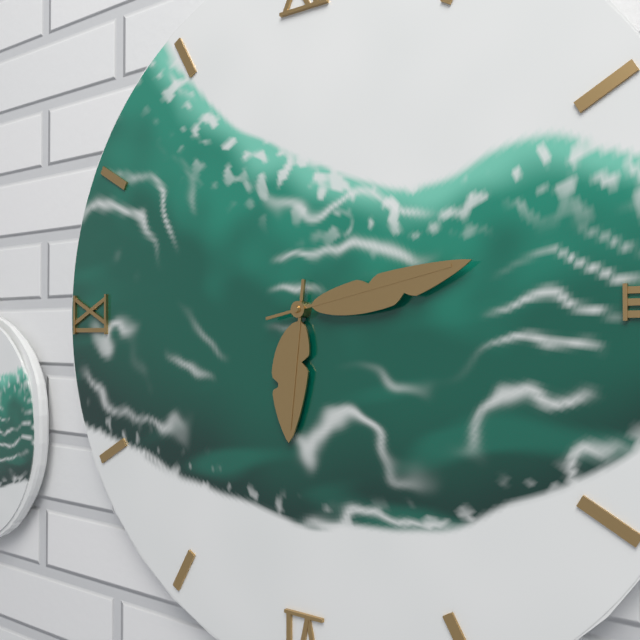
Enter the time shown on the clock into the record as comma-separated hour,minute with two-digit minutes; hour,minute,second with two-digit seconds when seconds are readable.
6,13
